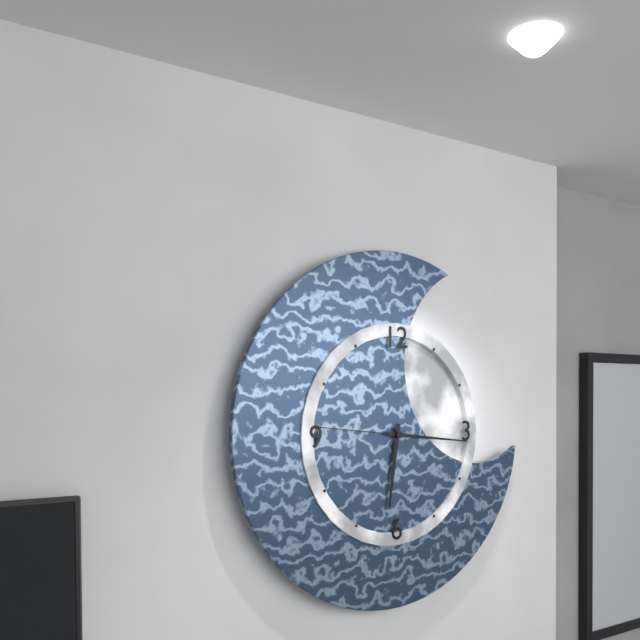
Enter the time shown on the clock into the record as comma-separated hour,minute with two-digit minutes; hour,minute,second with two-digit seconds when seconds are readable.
6,16,46
